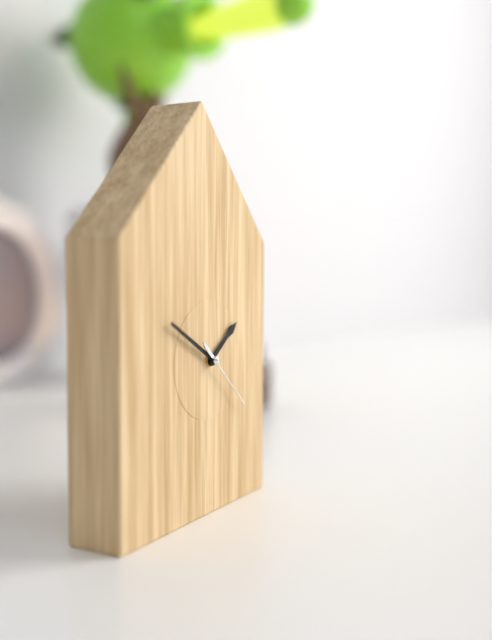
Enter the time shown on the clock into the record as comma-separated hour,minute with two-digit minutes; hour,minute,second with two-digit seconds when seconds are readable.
1,50,22
